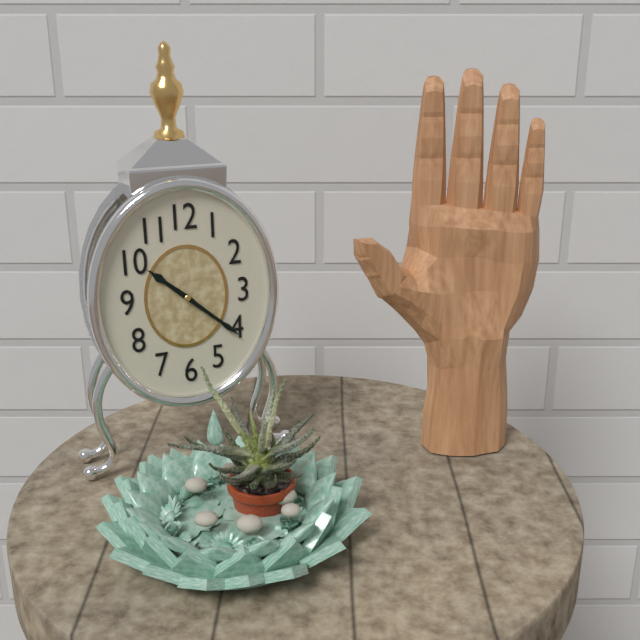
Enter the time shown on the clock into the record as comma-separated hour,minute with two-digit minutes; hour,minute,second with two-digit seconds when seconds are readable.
10,22
